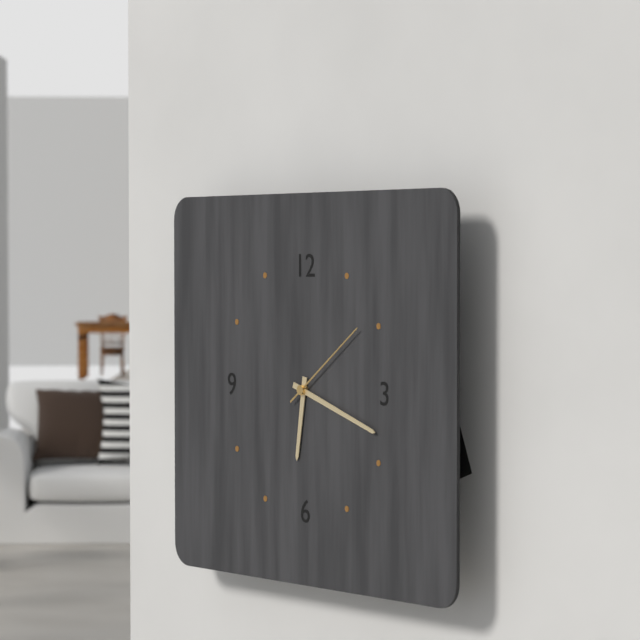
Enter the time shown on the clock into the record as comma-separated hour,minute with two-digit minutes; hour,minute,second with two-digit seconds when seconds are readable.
6,18,09
